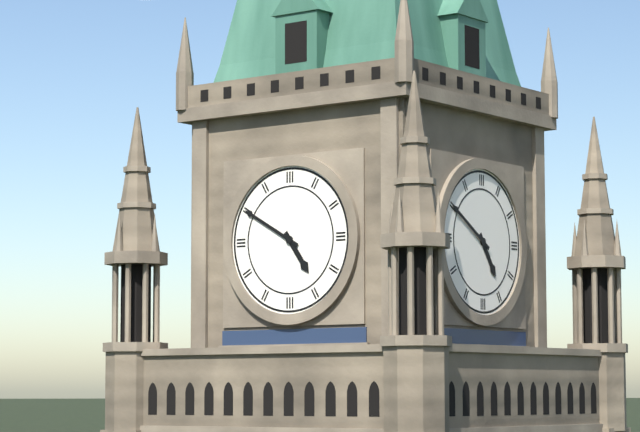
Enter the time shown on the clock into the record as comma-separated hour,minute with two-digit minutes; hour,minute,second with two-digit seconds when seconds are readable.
4,50
